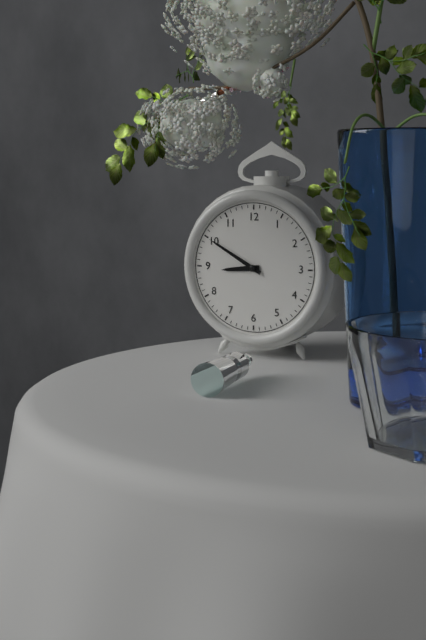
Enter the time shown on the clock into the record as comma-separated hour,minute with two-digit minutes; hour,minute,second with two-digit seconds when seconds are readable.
8,50
